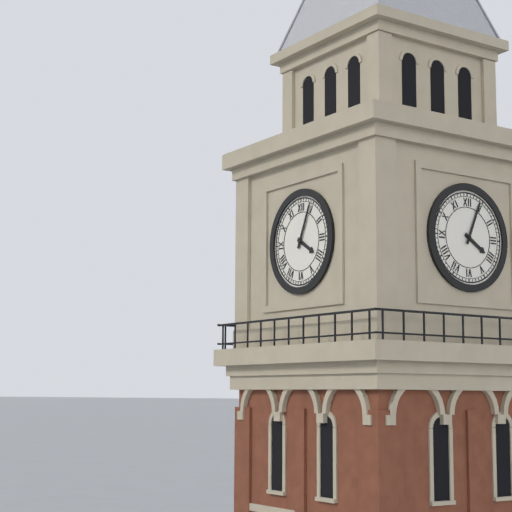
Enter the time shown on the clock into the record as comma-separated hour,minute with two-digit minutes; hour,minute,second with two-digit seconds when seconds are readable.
4,04
